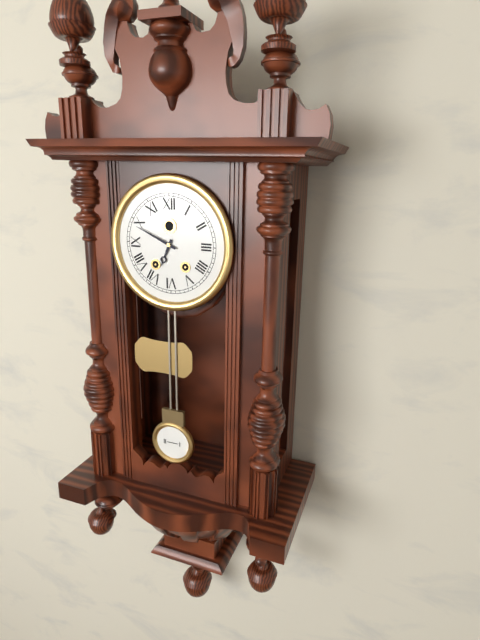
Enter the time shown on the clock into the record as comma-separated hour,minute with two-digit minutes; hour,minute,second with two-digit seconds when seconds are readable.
6,49
